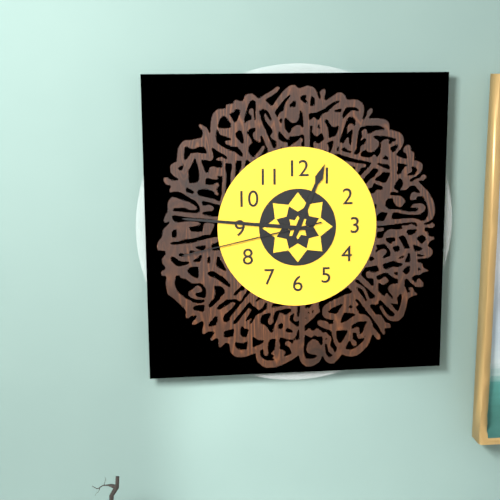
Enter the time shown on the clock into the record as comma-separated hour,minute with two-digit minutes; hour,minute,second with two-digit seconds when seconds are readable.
12,46,43
